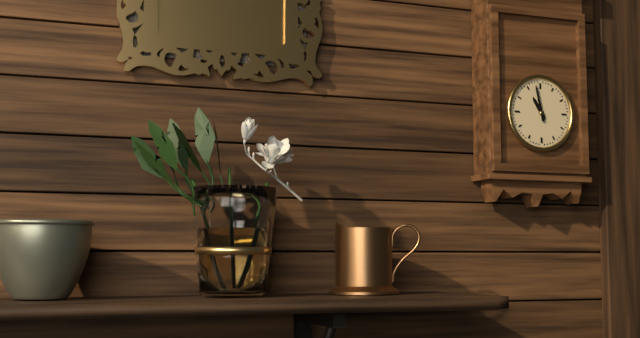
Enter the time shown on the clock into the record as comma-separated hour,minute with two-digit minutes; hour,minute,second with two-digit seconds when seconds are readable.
10,58
